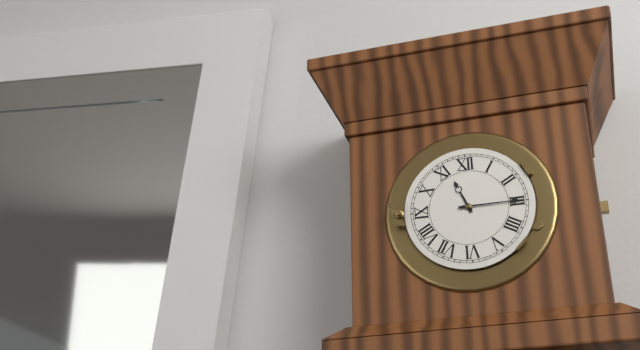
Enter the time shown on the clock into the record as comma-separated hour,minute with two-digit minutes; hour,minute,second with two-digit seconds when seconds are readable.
11,15
